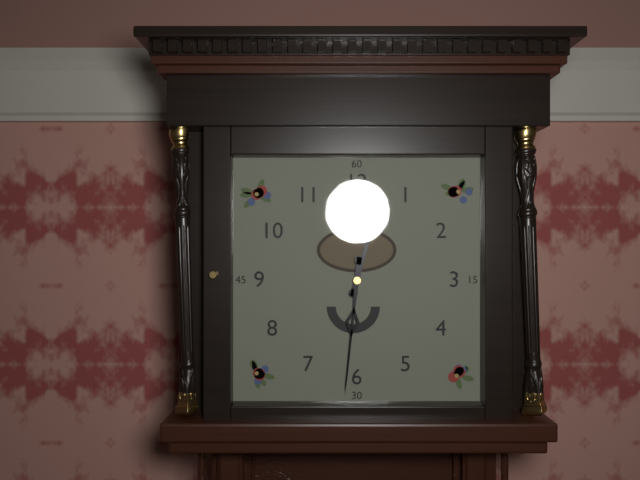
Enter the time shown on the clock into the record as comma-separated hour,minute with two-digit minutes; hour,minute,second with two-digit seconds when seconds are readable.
12,31
